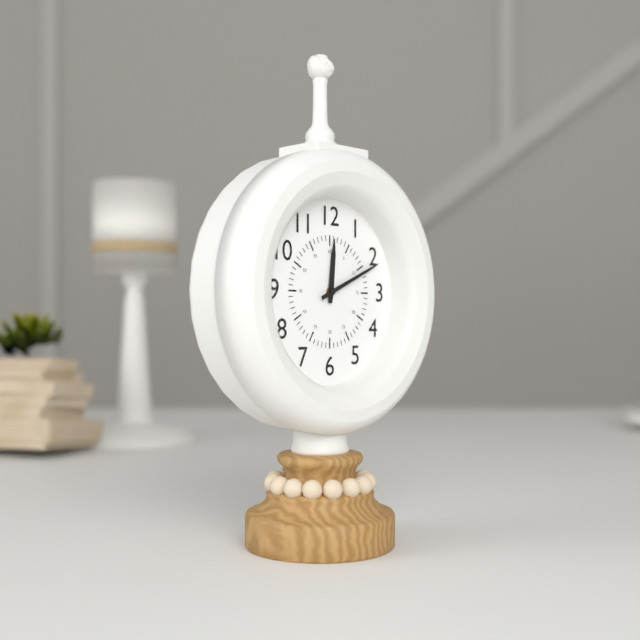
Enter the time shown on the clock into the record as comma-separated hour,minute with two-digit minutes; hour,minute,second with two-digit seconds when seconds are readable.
12,11
